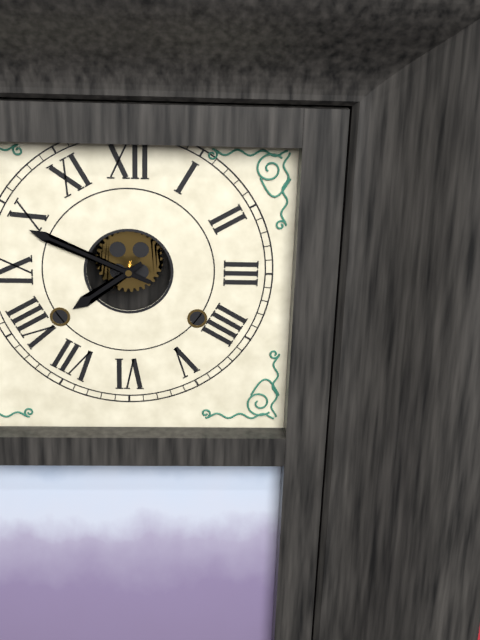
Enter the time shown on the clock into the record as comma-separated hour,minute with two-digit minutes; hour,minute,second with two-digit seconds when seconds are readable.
7,49
